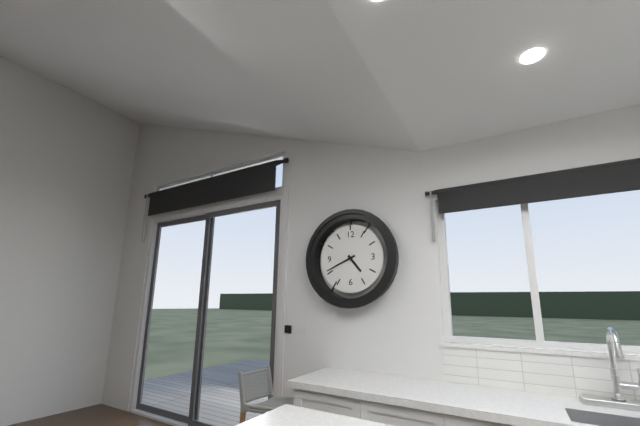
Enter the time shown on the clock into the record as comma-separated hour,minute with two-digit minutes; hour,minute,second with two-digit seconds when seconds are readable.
4,41
